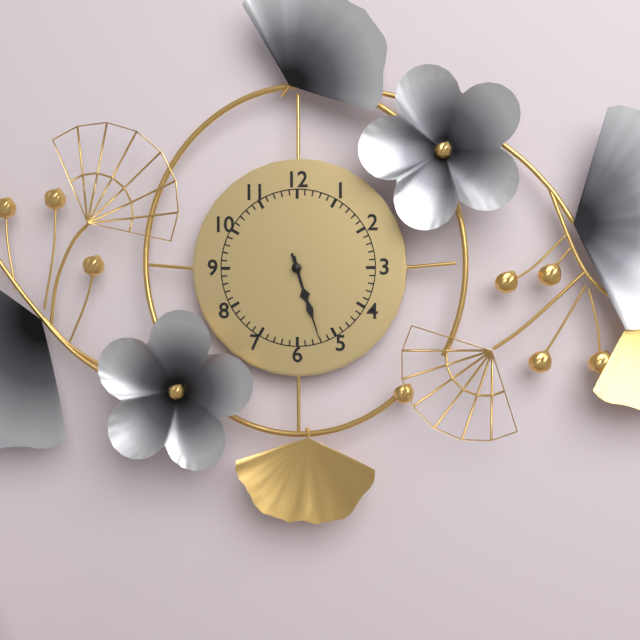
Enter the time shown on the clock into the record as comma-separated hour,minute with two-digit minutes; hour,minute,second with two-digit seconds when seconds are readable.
5,27
